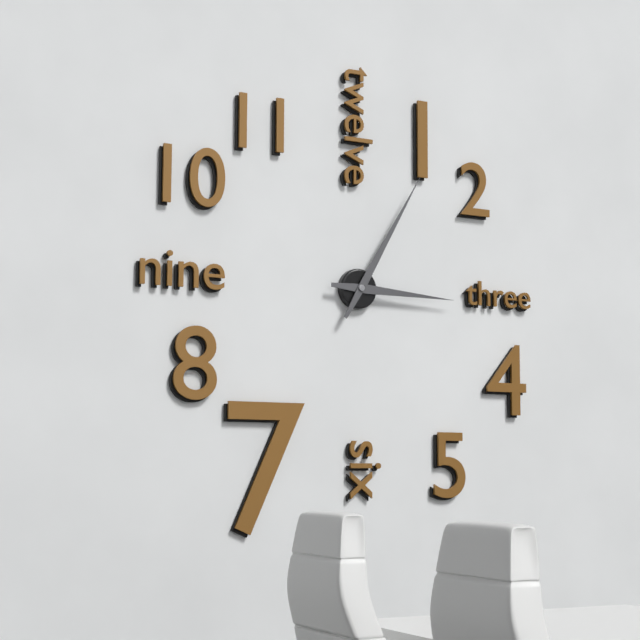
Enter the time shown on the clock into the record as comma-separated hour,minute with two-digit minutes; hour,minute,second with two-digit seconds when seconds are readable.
3,05
